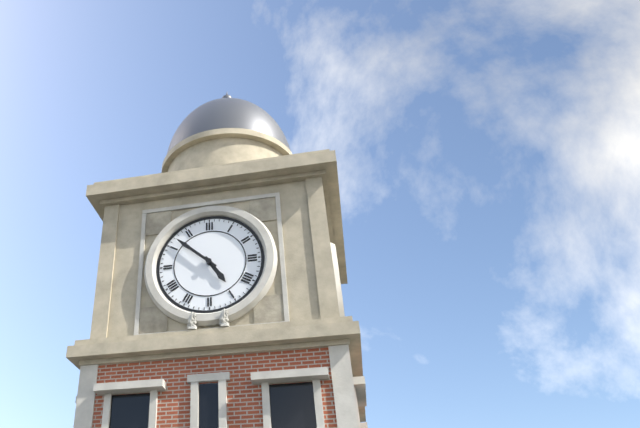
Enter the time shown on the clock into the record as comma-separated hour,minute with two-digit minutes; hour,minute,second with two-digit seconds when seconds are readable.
4,52
